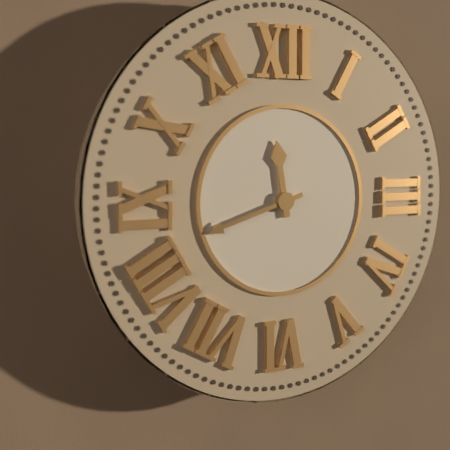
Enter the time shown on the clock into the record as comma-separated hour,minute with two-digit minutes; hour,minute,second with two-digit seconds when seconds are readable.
11,42
